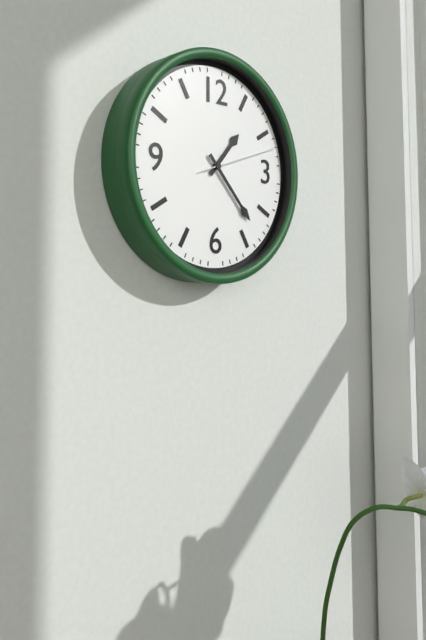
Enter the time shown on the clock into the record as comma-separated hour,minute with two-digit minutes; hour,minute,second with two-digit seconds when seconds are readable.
1,23,12
